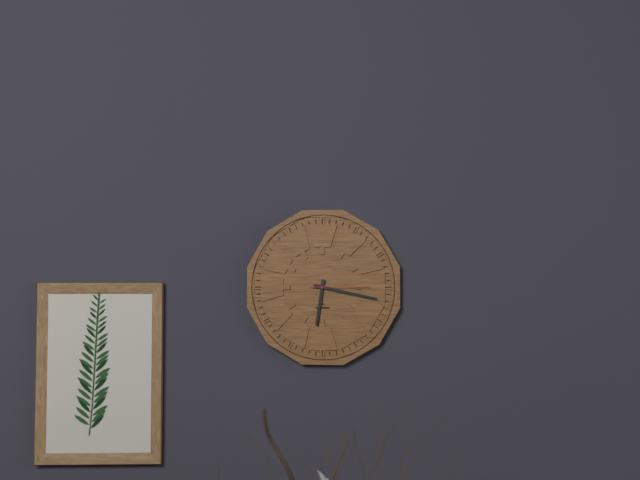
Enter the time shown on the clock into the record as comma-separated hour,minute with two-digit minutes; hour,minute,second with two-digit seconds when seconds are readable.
6,17,15
